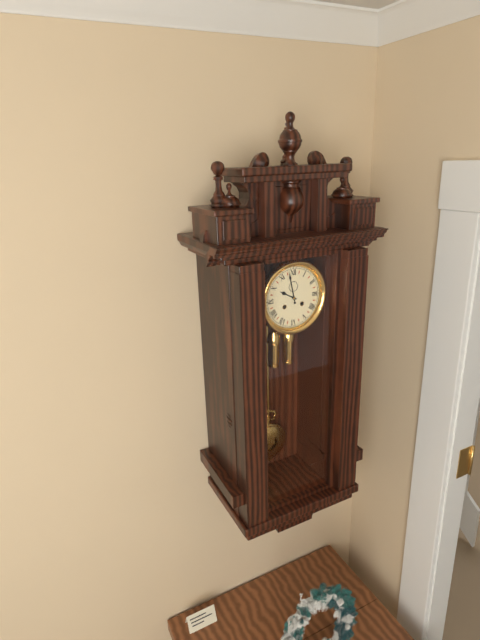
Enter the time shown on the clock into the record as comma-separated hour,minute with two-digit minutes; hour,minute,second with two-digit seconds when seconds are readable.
9,58
